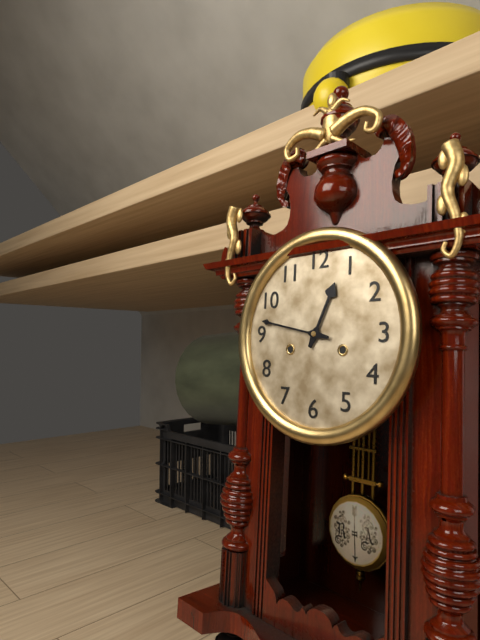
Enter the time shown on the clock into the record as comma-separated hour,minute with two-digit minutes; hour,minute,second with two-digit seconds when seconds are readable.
12,47
